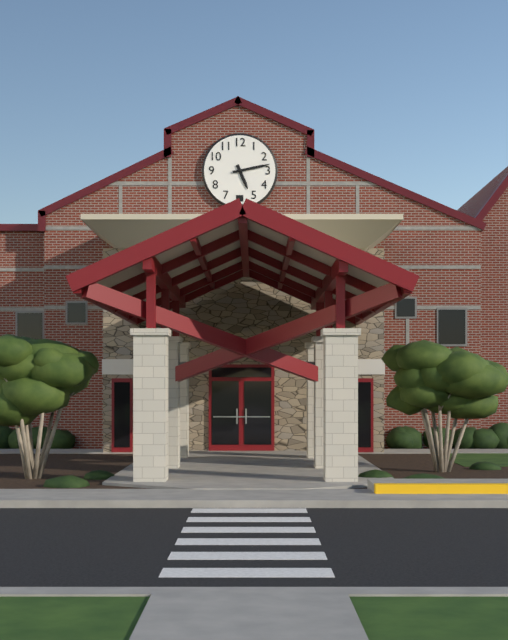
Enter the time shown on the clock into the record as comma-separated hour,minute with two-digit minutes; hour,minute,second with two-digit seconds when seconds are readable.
5,13
